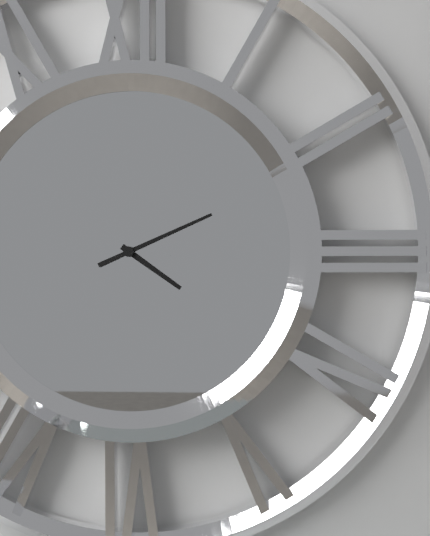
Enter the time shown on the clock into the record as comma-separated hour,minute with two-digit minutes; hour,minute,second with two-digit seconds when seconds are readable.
4,11
